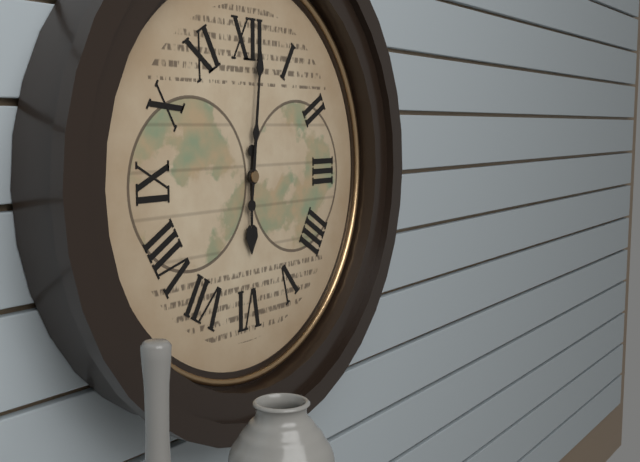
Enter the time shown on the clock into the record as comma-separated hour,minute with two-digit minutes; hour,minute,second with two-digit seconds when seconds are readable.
6,01
